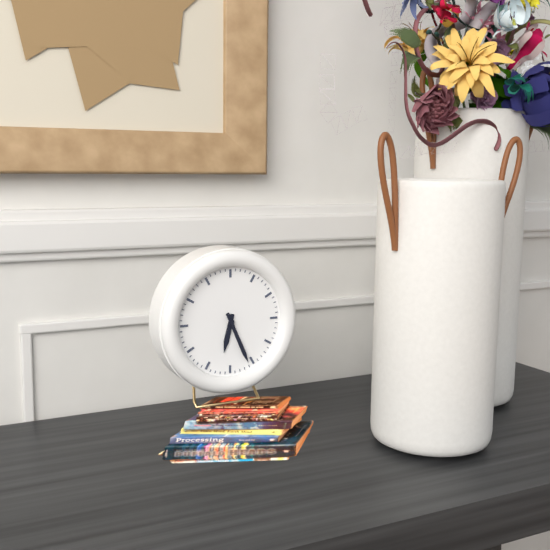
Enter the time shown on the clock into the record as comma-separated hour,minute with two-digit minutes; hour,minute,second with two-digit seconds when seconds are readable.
6,26
